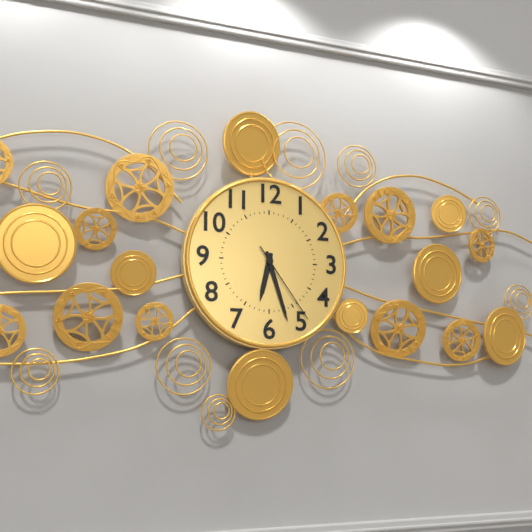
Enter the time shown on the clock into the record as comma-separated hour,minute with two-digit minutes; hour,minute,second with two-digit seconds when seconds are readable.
6,27,24
